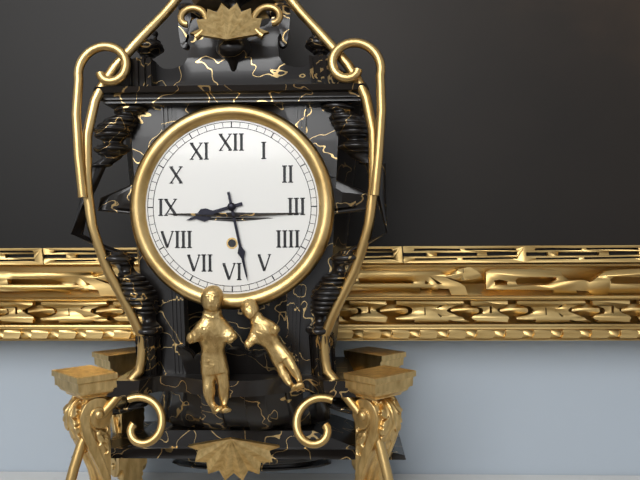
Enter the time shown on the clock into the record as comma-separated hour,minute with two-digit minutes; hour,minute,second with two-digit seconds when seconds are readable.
8,28
